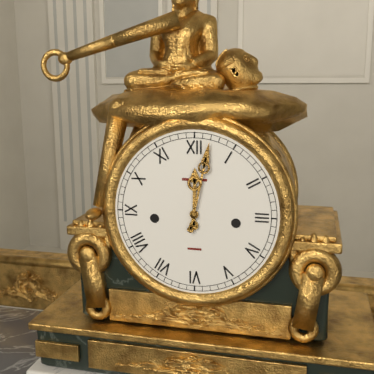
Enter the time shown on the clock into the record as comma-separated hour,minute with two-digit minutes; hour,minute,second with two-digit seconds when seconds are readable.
12,02
